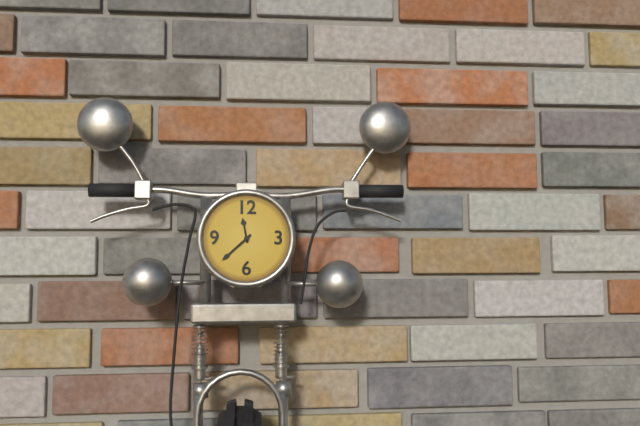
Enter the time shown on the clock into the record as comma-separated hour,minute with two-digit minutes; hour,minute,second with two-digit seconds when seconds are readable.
11,38
